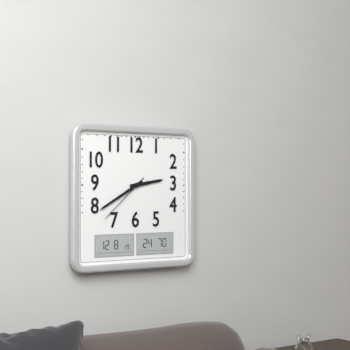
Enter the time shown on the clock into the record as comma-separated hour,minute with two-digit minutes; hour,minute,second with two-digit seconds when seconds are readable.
2,40,38
